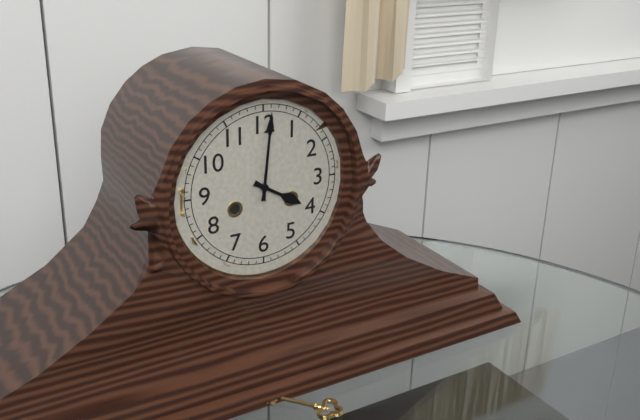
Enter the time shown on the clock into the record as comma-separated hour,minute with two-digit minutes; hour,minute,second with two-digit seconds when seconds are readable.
4,01
